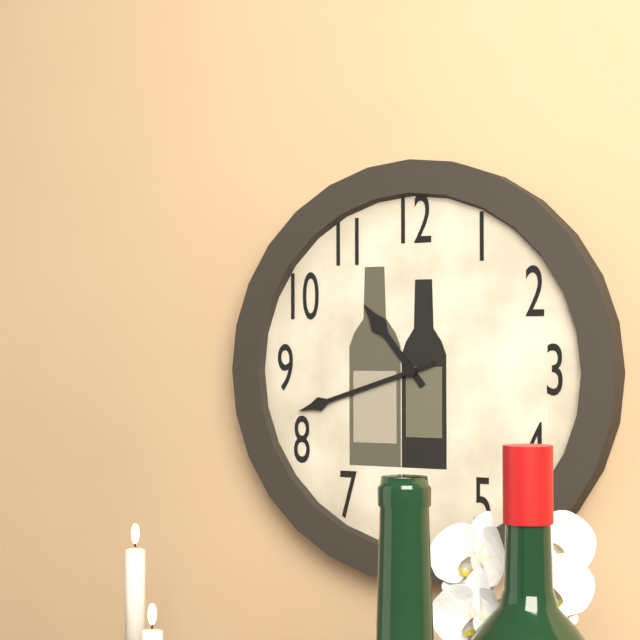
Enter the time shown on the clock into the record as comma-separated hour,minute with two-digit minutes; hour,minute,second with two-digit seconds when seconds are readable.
10,42
